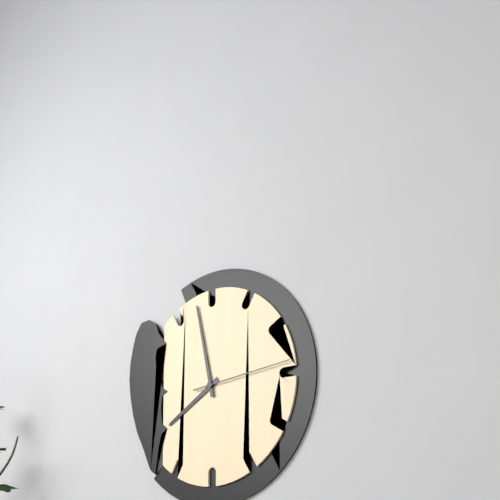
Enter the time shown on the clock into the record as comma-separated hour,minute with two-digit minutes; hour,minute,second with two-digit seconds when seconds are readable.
7,58,14
